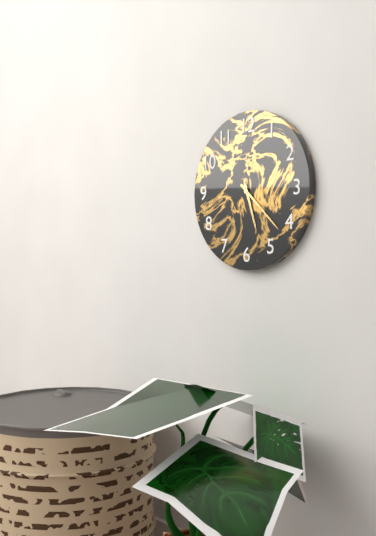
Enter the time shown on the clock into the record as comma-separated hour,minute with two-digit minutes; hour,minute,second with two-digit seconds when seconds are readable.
5,22
